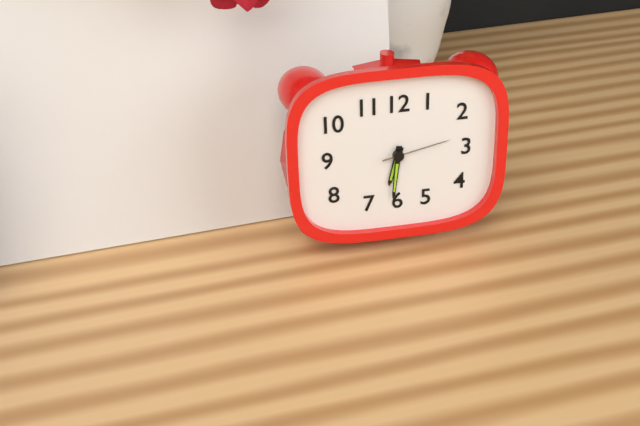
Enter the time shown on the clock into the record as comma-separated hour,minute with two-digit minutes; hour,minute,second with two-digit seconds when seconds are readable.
6,31,13
